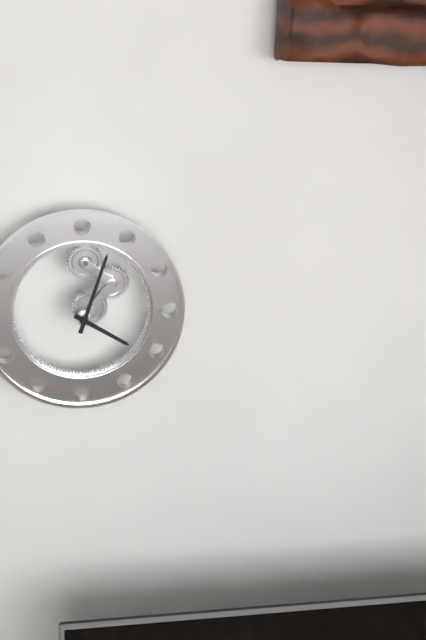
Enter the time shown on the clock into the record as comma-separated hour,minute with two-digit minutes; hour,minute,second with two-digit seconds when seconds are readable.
4,03
